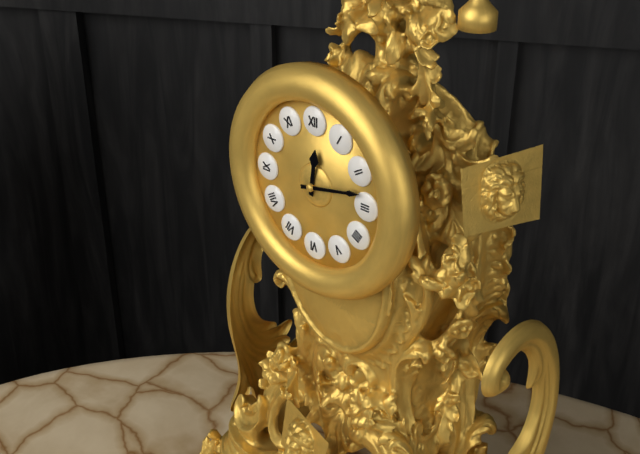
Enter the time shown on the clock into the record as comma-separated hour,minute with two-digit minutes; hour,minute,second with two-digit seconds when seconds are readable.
12,13
